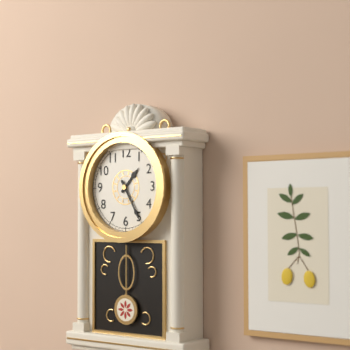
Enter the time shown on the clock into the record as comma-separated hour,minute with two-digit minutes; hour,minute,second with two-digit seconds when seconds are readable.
1,25
